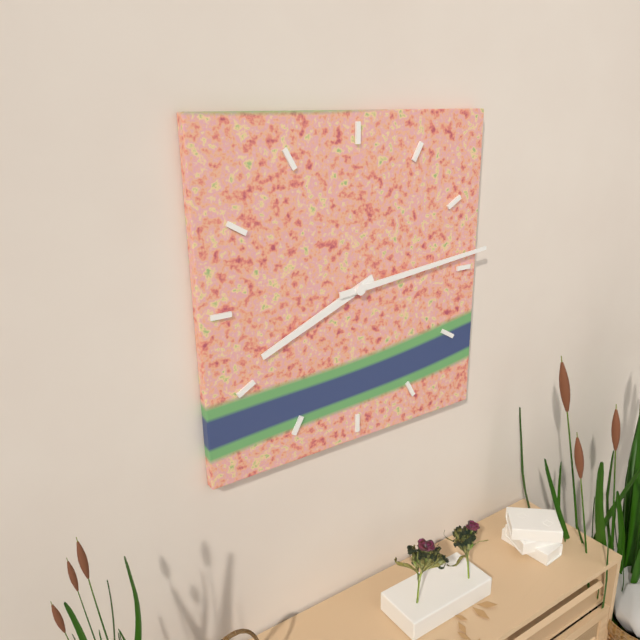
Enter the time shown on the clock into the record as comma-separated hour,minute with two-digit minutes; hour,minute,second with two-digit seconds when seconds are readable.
8,14
